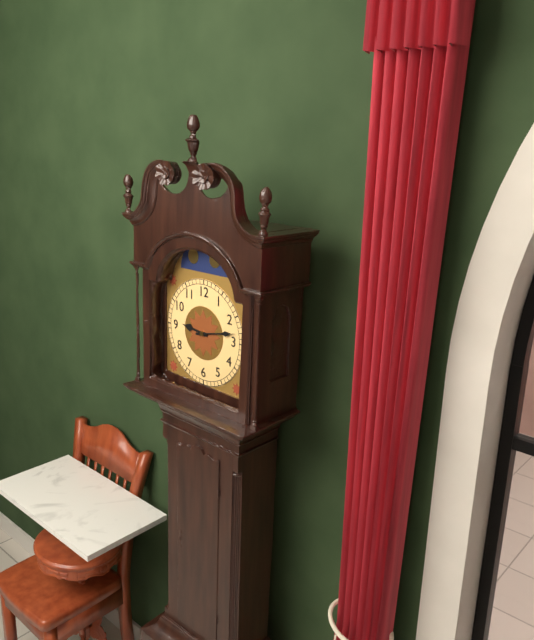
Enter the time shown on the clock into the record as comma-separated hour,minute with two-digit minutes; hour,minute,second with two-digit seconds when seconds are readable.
9,13
